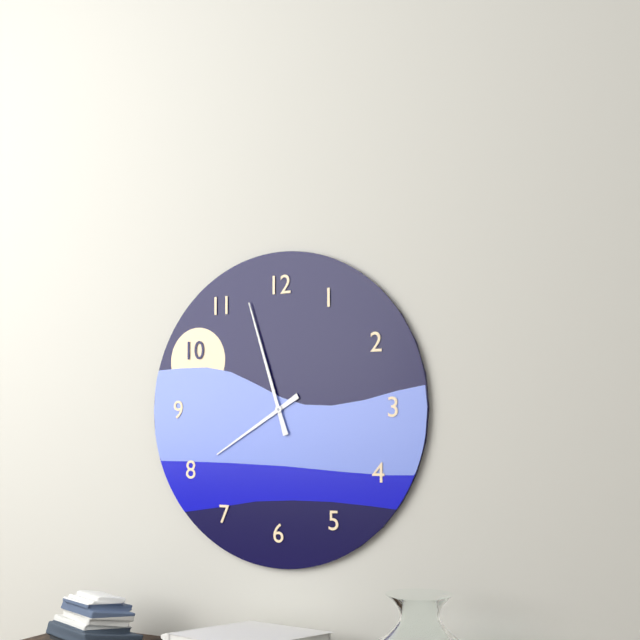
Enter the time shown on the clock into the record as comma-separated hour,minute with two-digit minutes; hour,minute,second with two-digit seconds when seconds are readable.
7,57
